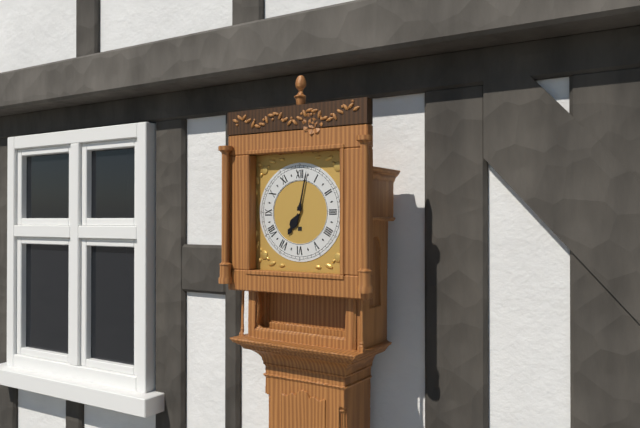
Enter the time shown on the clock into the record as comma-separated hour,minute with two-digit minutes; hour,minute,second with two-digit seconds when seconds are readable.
7,02
